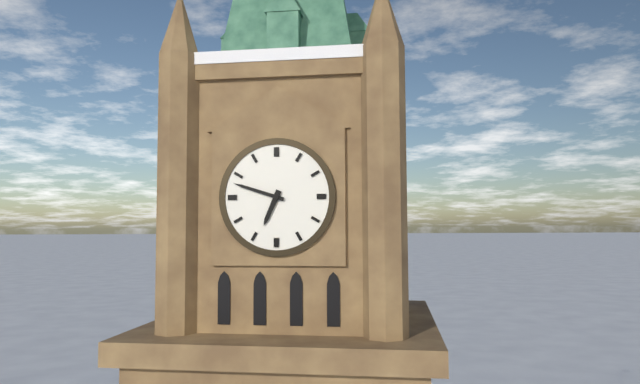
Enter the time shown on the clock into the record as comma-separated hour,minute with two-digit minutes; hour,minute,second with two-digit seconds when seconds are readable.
6,48
